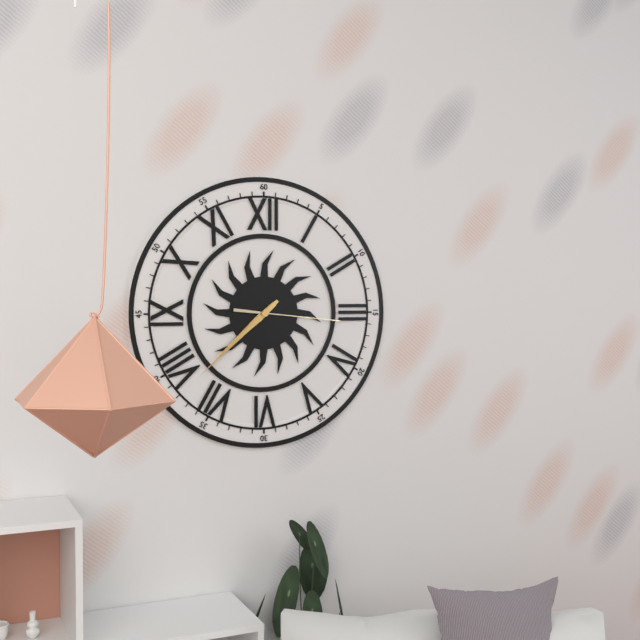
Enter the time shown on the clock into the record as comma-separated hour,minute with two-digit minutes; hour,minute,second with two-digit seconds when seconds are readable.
7,38,16
